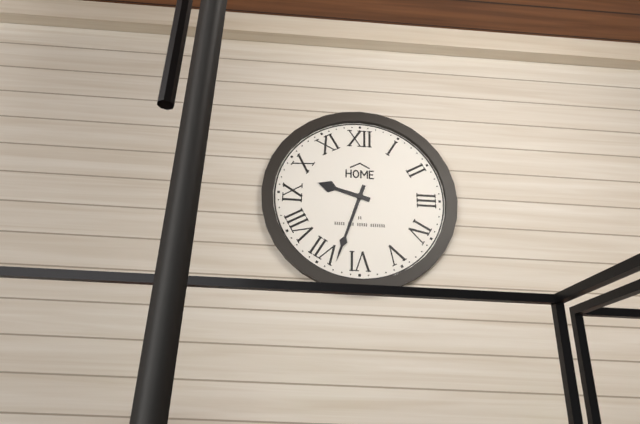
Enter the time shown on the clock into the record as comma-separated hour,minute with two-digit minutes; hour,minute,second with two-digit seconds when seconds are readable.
9,33
